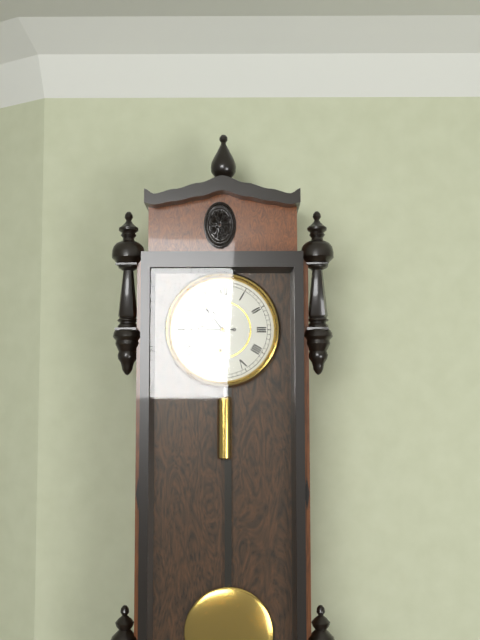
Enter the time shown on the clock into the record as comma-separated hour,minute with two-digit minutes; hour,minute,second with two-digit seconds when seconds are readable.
10,45
